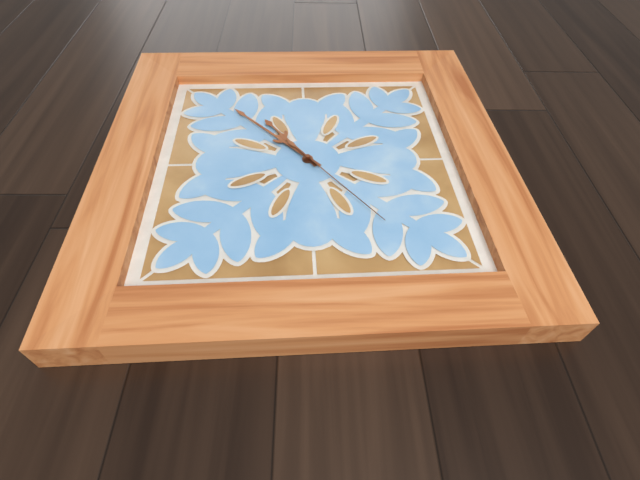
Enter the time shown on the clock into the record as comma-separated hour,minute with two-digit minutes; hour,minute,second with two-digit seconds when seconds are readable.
10,53,24
